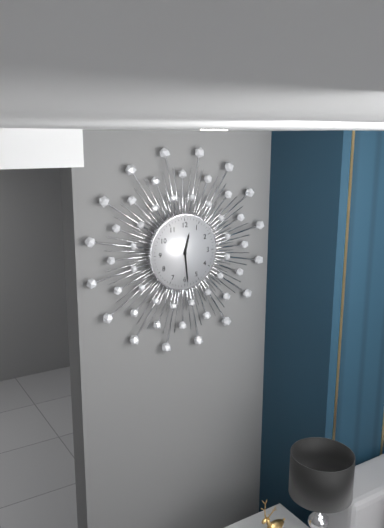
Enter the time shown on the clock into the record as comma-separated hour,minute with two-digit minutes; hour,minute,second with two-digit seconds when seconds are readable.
12,29
